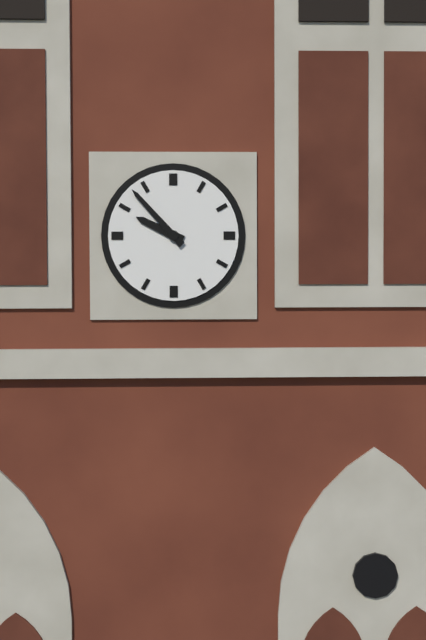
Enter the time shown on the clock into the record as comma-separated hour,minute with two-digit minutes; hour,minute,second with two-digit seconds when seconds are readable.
9,53
